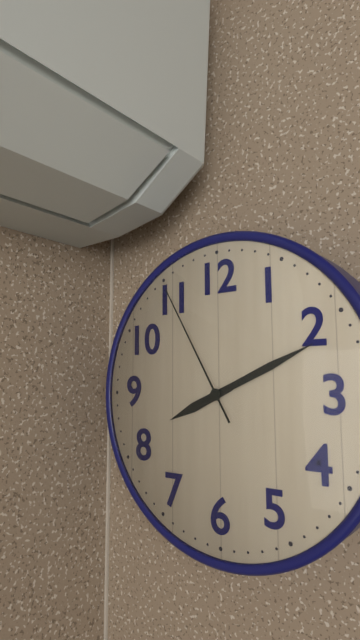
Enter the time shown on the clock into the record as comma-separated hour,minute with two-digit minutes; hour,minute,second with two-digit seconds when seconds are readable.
8,11,55
